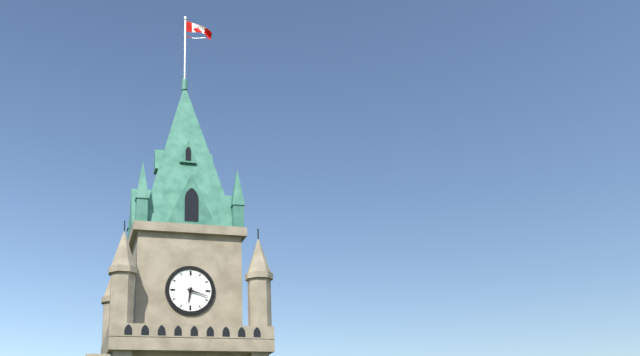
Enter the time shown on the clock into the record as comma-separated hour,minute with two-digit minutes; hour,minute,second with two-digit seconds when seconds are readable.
6,18
